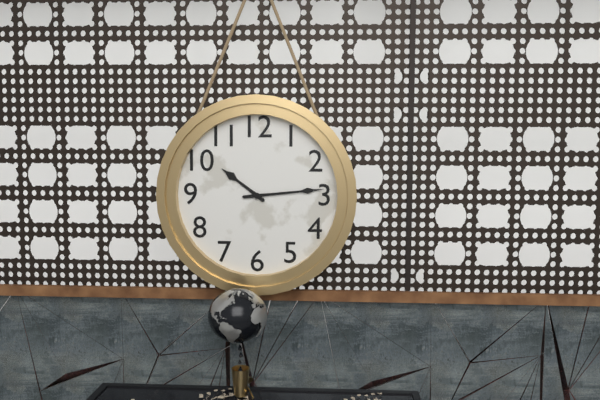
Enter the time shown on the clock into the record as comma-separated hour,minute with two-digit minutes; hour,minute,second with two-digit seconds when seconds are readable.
10,14
